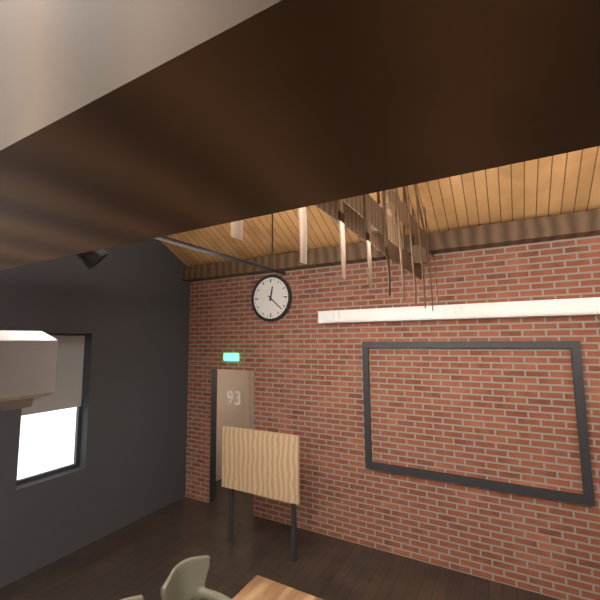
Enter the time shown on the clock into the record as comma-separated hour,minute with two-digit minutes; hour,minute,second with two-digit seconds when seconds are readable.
12,22
